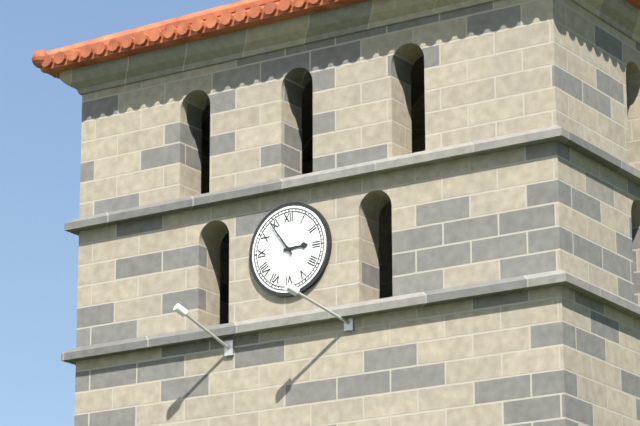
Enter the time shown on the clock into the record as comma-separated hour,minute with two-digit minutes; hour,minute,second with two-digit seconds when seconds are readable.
2,54
